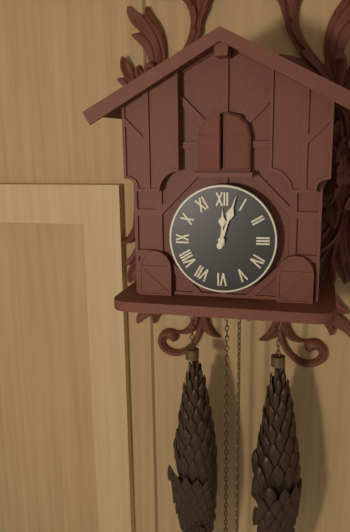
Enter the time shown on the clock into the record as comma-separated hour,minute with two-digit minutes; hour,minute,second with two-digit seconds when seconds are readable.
12,03
